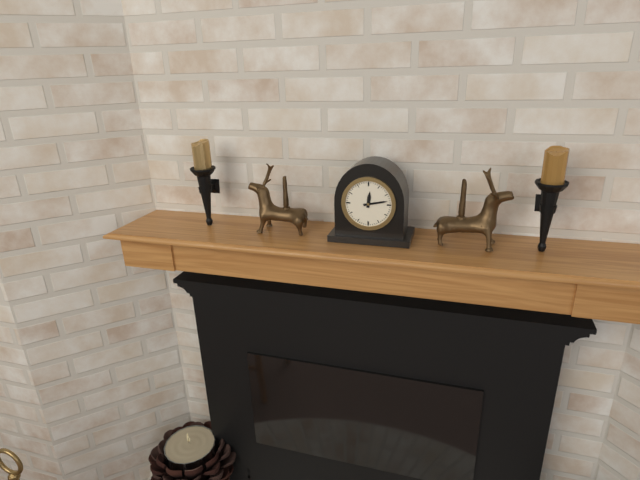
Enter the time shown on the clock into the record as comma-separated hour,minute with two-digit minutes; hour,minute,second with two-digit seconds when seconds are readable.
12,13
